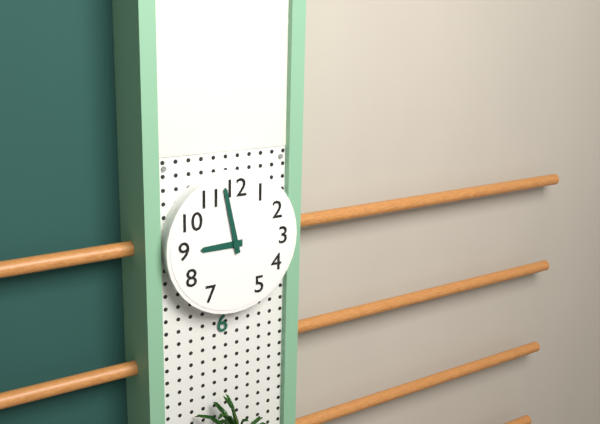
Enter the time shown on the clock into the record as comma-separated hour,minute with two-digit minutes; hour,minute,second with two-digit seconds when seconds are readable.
8,58
